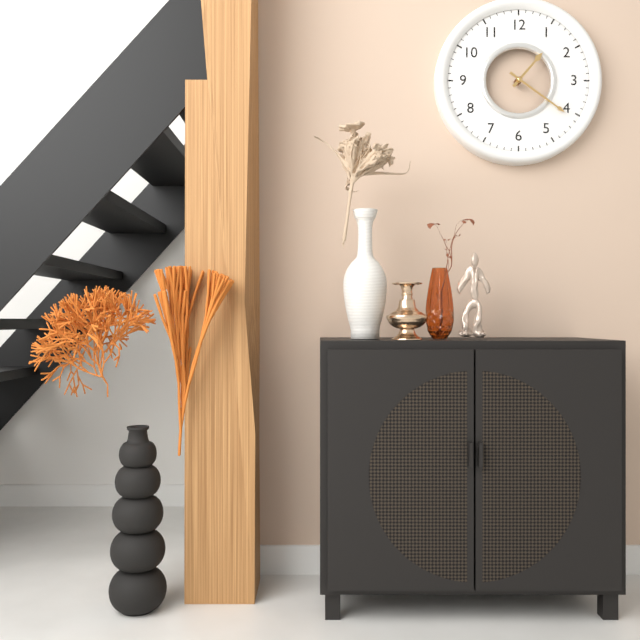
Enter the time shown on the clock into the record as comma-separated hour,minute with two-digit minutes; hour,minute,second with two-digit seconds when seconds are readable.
1,21
